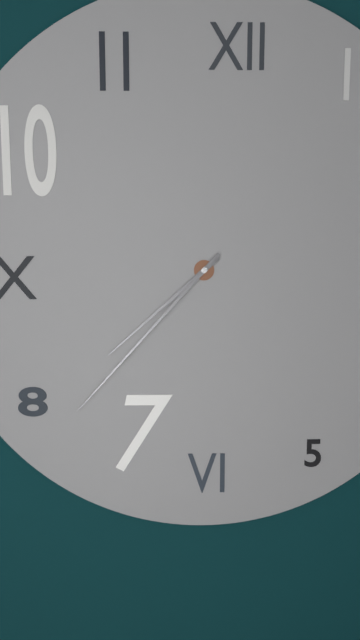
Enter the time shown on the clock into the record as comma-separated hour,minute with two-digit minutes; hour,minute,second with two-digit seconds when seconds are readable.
7,37
